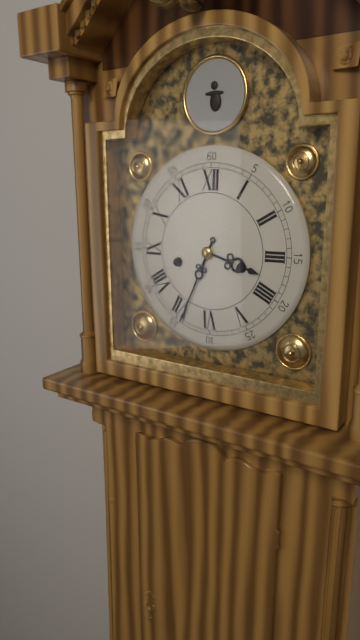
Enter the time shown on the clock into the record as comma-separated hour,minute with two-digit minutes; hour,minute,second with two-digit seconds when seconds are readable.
3,34
